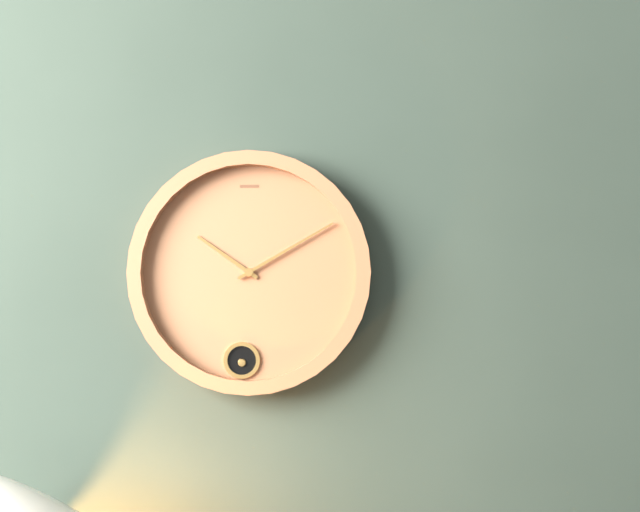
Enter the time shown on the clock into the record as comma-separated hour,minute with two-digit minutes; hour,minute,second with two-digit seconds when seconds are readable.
10,10
